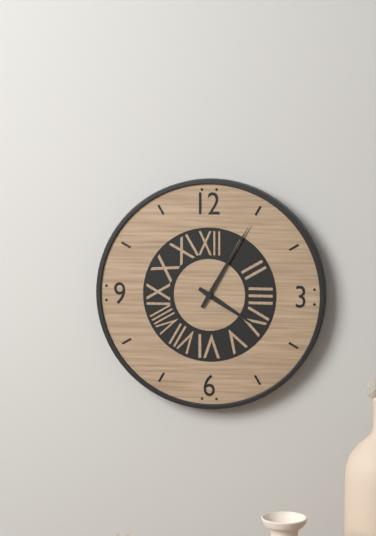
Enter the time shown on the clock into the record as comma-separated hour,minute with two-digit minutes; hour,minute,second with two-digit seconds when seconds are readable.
4,05
